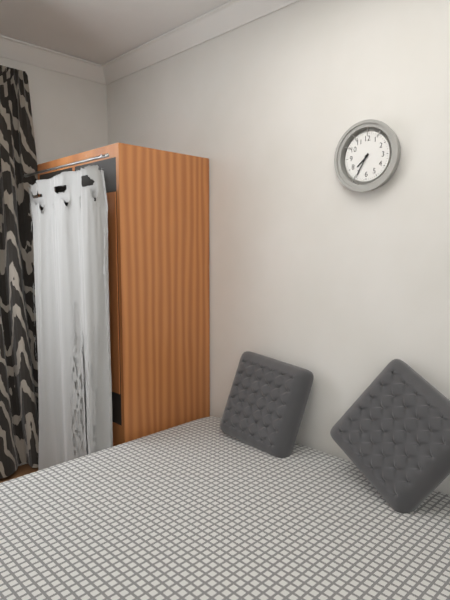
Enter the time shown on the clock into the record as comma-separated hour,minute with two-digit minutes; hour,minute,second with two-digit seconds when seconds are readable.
7,35
